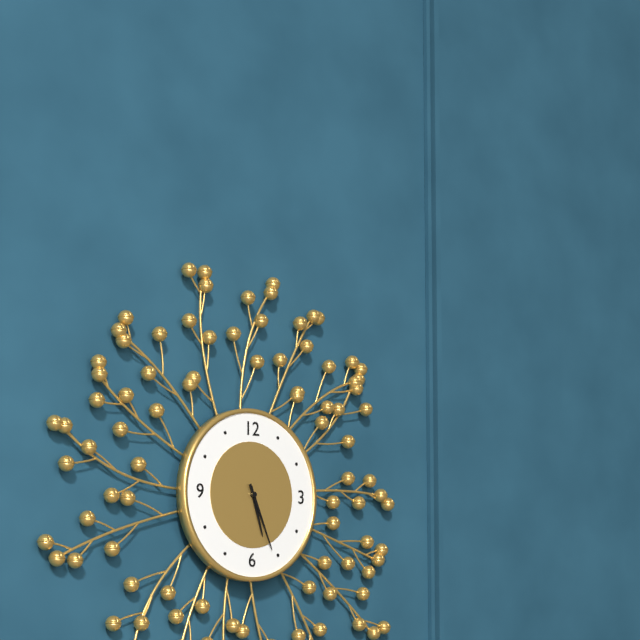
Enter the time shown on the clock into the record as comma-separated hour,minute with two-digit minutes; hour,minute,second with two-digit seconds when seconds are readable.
5,26
